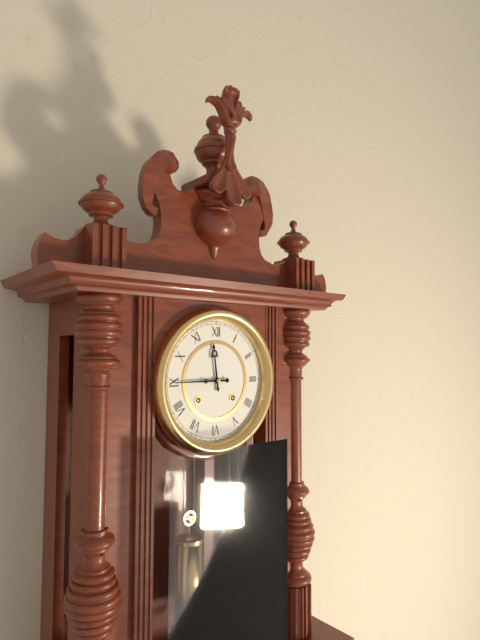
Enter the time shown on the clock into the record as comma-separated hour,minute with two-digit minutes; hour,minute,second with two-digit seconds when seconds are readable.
11,45
